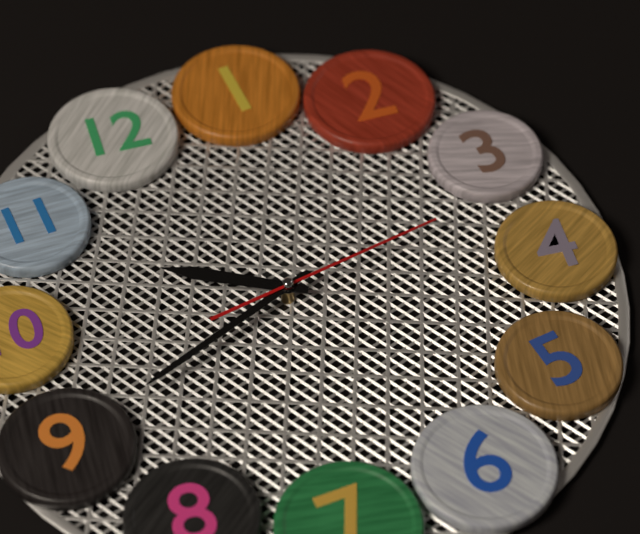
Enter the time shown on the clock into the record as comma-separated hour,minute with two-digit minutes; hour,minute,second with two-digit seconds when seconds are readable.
10,45,17
